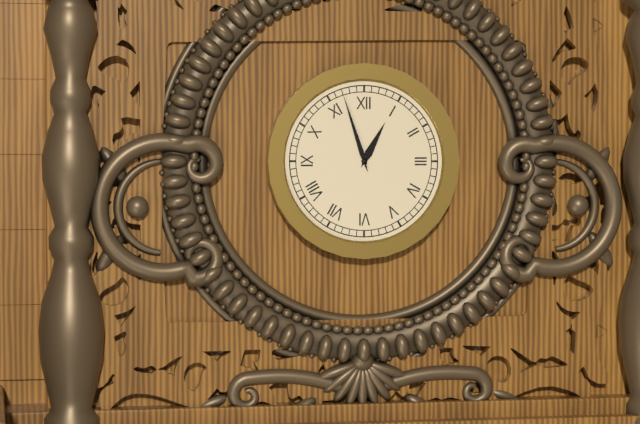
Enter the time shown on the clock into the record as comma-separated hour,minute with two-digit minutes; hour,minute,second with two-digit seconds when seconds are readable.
12,57
